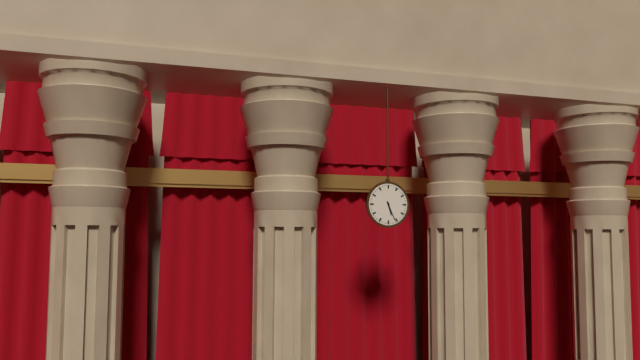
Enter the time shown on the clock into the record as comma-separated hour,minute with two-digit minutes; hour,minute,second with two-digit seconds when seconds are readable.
5,26
